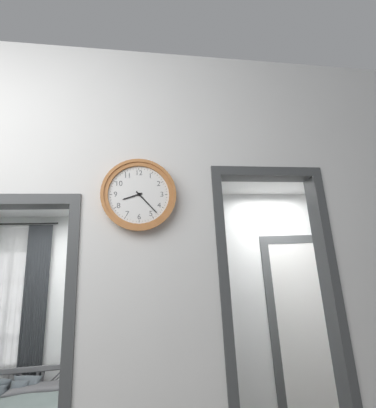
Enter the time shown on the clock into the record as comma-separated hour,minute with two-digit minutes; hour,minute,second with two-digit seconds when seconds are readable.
8,23
